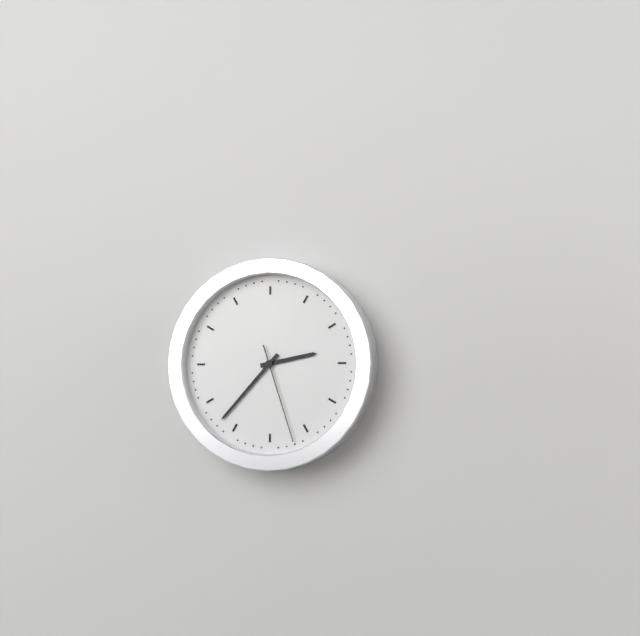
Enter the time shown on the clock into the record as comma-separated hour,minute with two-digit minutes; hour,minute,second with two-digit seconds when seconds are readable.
2,37,27
